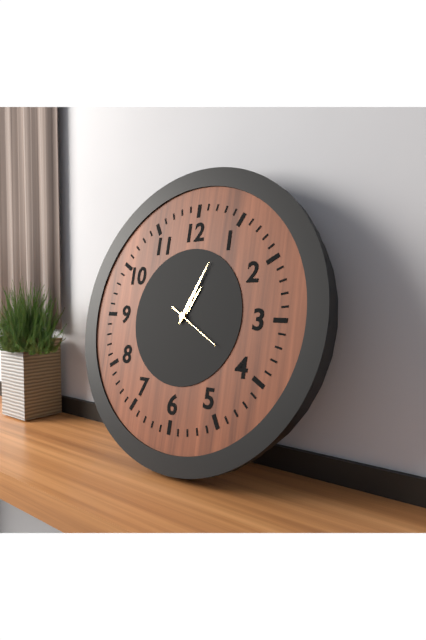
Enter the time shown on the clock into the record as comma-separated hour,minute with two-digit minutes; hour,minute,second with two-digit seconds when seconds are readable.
1,04,20
